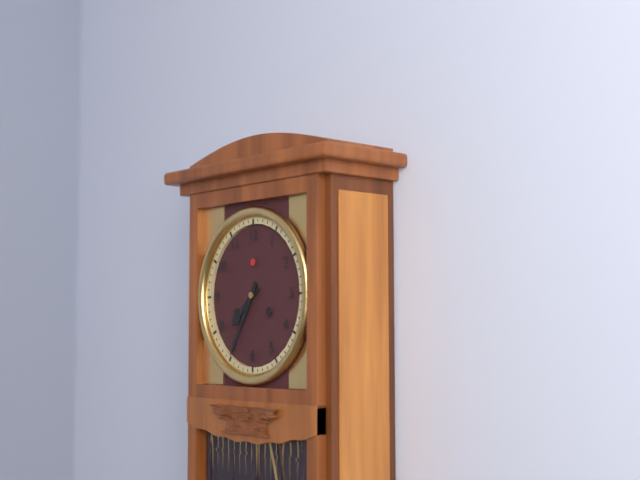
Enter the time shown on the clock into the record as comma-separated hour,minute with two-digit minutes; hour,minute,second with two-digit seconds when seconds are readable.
7,35
